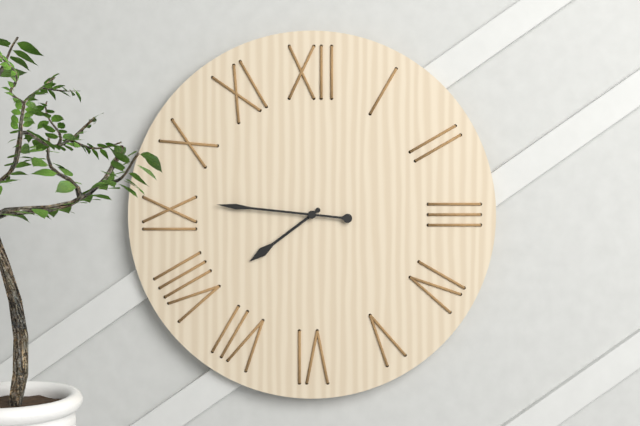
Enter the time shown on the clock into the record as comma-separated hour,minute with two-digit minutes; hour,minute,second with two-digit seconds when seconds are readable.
7,46
